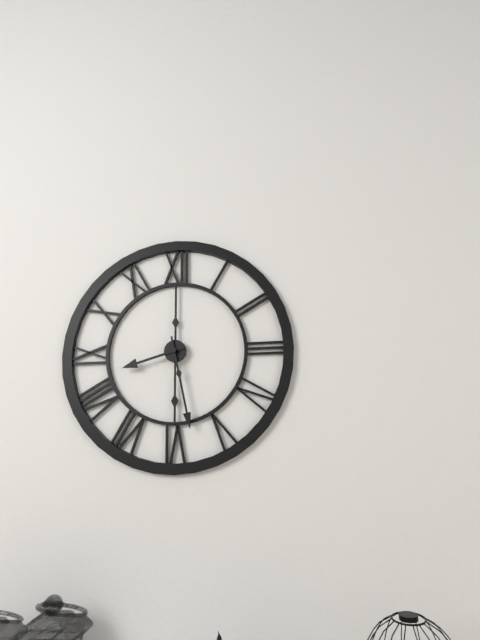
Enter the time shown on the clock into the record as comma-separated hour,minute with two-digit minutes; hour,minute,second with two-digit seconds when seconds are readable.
8,28
